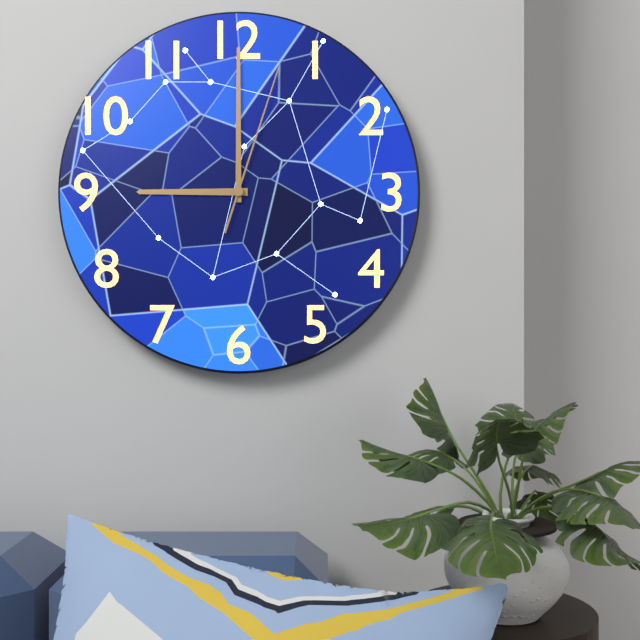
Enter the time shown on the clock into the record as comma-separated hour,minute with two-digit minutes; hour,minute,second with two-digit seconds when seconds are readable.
9,00,03
